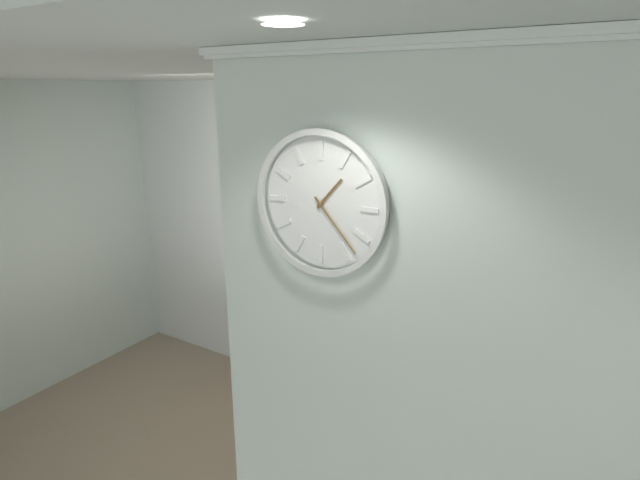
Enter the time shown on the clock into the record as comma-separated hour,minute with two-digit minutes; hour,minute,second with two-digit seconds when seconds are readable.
1,23
